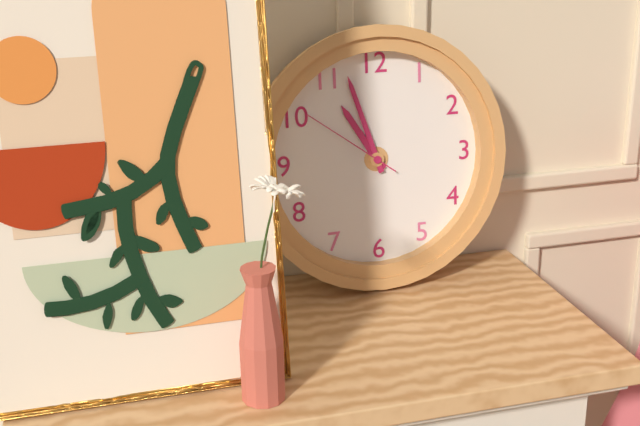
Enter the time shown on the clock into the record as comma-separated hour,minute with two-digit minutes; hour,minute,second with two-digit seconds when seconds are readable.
10,57,51
